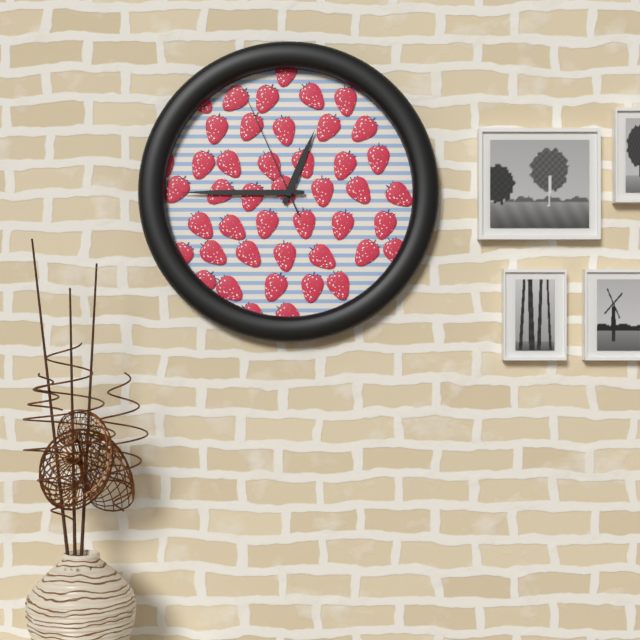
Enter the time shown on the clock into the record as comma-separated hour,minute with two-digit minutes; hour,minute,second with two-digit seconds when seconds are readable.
12,45,56
